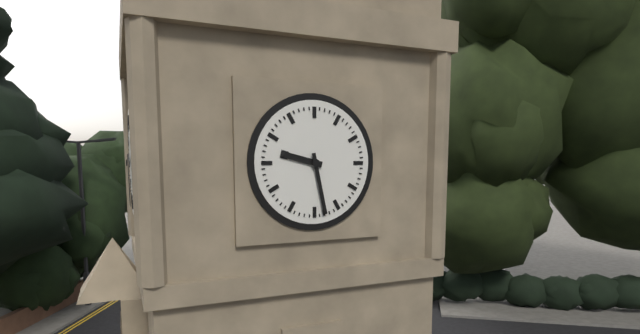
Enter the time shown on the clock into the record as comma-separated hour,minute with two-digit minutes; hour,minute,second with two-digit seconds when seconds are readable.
9,28
